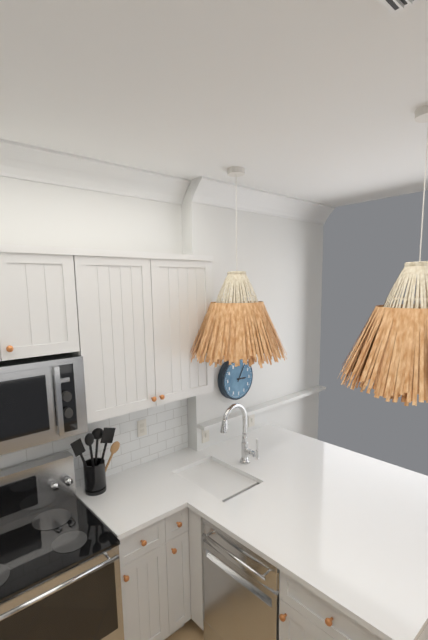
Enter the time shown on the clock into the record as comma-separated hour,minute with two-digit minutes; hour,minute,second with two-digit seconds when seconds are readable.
3,05
